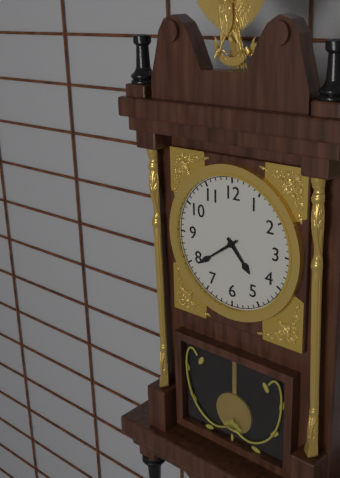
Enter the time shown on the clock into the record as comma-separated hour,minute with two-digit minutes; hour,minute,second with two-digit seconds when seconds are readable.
4,39
